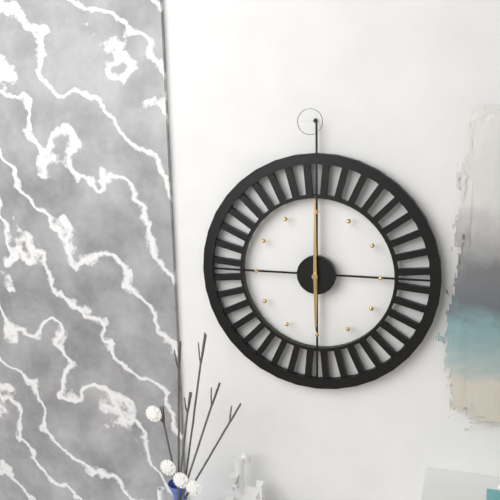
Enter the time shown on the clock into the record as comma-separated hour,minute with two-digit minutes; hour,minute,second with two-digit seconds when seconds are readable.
6,00
